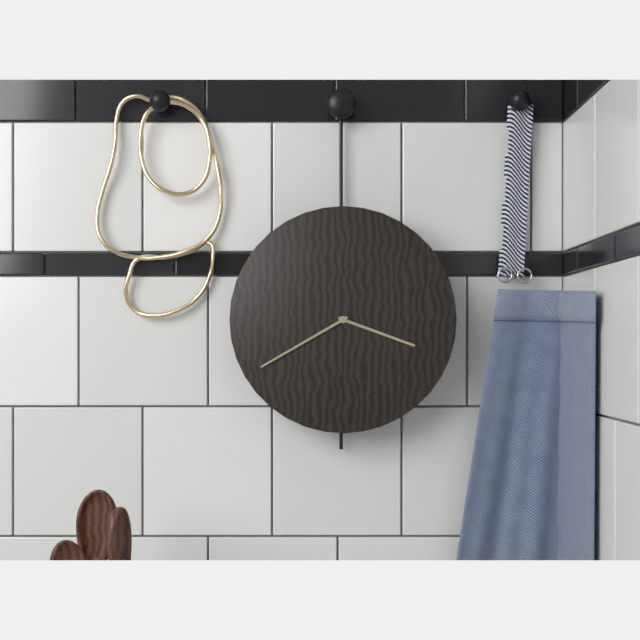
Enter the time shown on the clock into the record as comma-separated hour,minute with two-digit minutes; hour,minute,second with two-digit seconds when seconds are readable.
3,40
